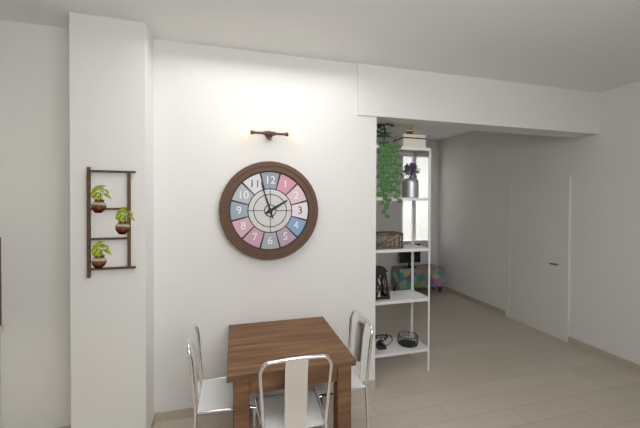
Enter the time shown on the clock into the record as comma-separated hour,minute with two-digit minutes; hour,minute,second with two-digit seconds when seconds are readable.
1,57
